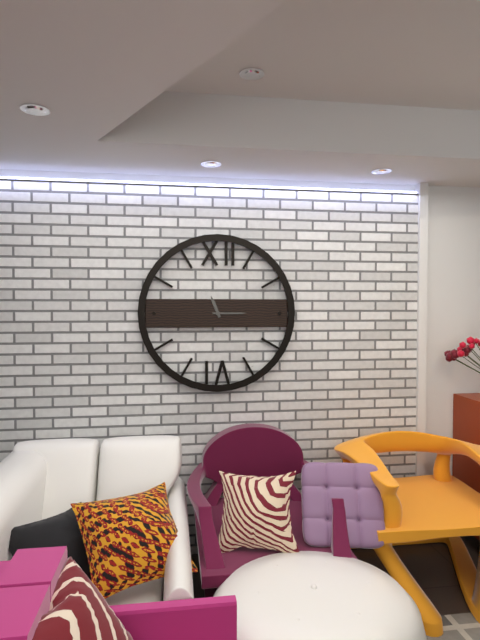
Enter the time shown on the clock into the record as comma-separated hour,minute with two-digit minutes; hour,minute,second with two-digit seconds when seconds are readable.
11,15
